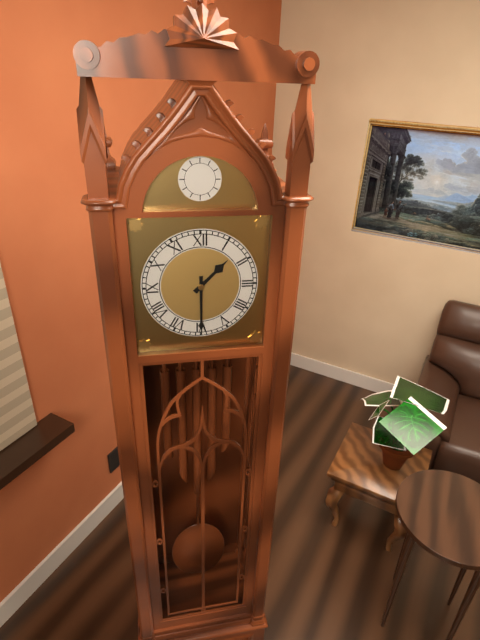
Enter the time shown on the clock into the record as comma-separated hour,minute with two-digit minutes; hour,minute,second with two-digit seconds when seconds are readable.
1,30
